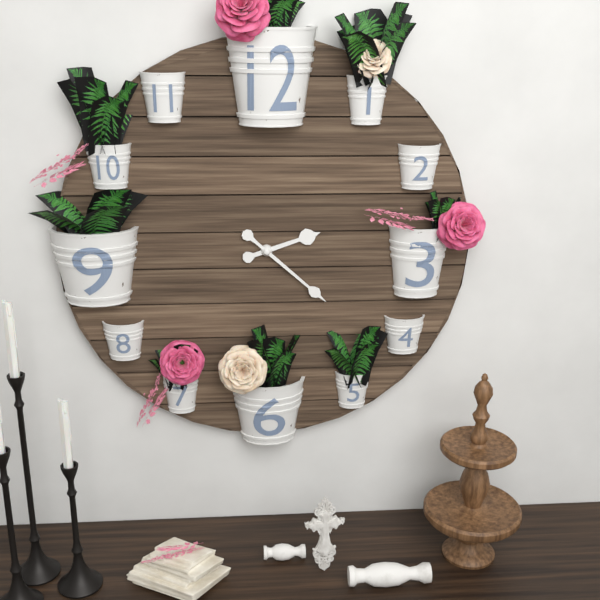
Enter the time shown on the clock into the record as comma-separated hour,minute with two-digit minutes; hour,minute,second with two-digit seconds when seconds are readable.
2,22
